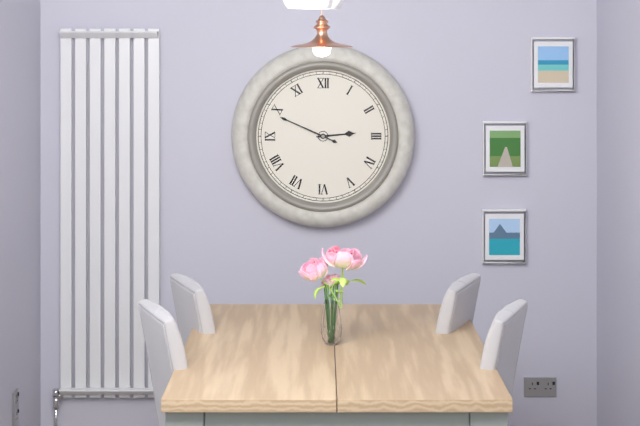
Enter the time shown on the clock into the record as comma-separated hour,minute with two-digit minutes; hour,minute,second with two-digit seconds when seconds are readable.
2,49
